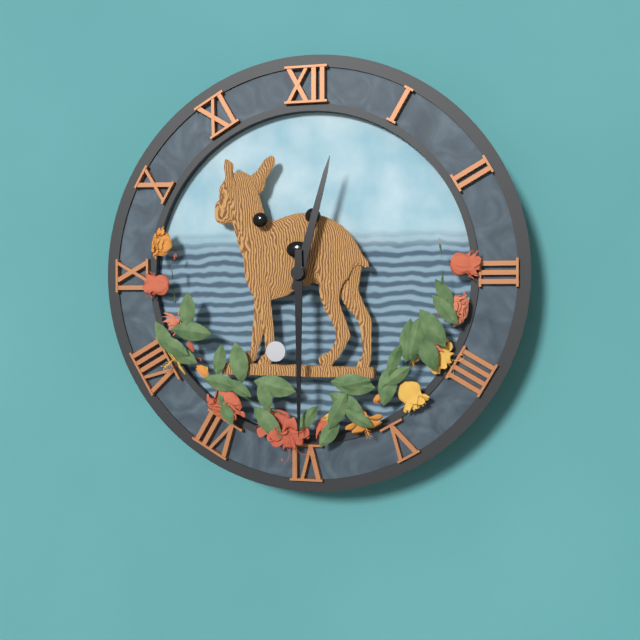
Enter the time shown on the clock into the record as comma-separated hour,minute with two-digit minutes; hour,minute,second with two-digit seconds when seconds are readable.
12,30
